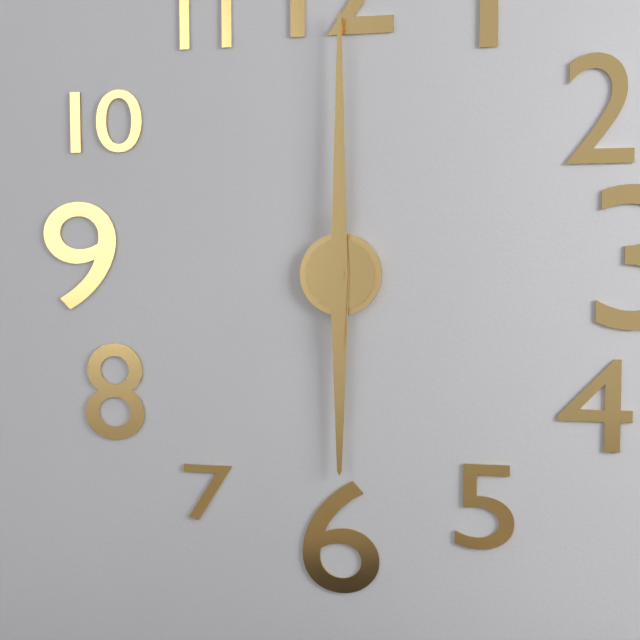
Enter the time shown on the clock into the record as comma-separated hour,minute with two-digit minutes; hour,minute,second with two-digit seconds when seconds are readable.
6,00
